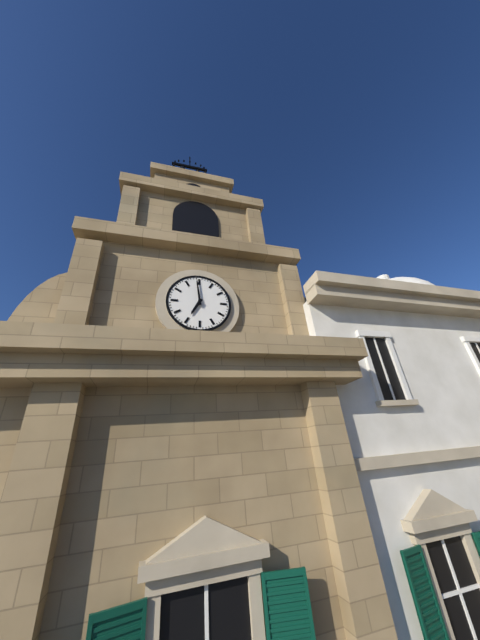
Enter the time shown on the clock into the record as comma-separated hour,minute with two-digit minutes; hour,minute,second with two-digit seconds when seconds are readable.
6,59
